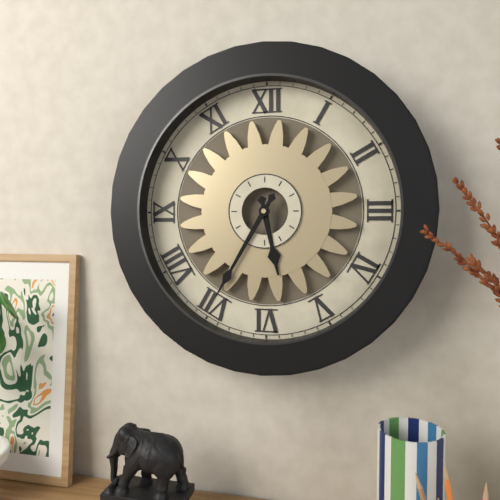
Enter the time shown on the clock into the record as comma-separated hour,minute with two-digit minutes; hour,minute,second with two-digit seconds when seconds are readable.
5,35
